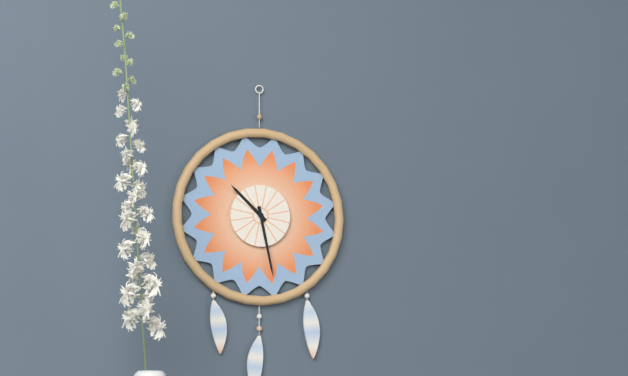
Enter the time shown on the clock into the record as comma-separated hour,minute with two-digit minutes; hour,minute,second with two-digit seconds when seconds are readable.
10,28
